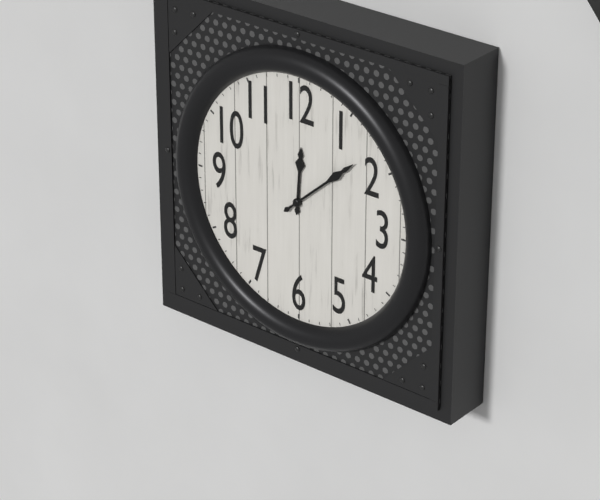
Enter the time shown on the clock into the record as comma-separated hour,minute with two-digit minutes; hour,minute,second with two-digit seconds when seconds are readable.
12,08
